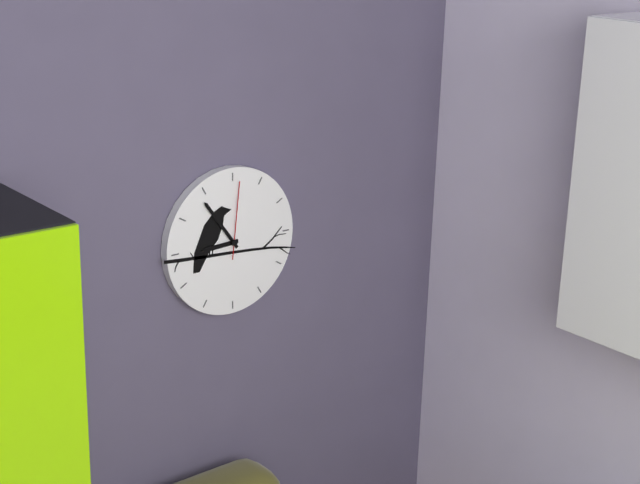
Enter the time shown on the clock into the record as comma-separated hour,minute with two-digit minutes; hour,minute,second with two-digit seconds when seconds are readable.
8,54,01
